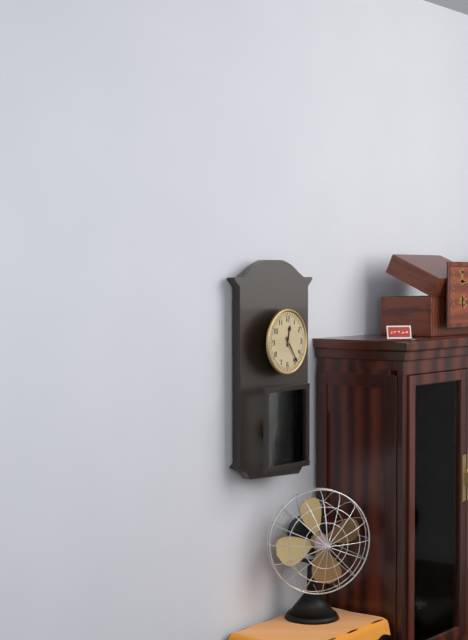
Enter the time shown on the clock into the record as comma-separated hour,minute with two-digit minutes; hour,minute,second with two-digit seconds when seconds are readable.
12,24
